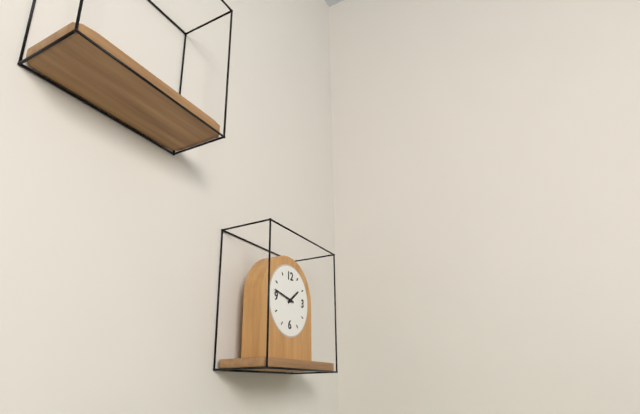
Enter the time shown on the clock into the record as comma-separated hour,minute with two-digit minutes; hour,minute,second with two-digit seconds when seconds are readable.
1,47
